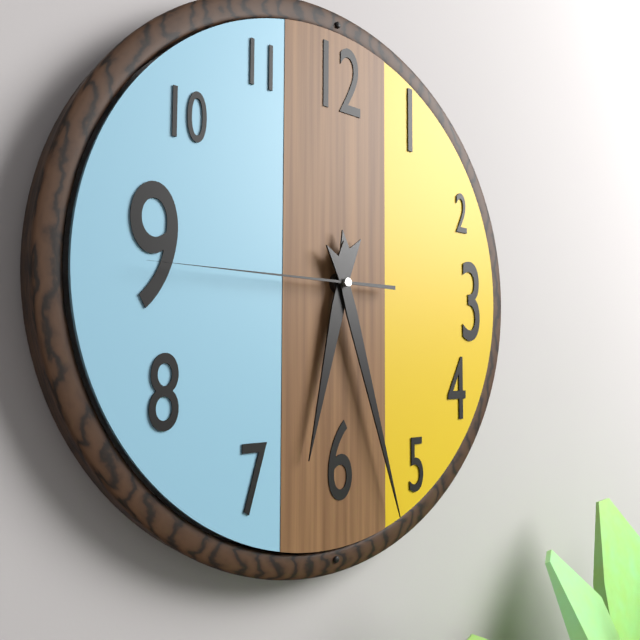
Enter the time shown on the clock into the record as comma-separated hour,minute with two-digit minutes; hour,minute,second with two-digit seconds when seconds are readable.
6,27,45
